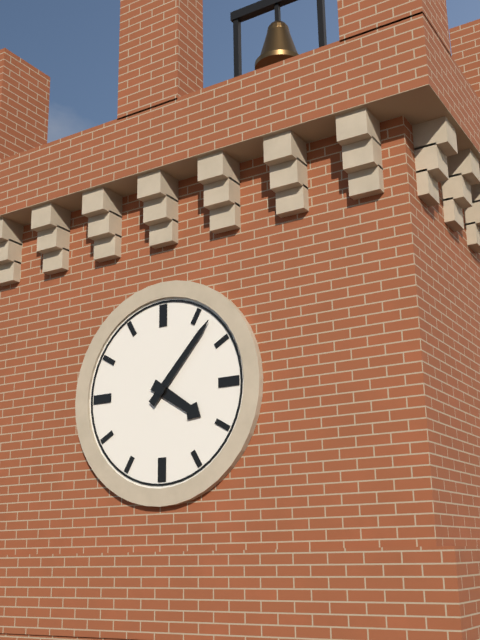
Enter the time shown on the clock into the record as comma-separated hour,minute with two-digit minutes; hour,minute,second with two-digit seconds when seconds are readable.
4,07
